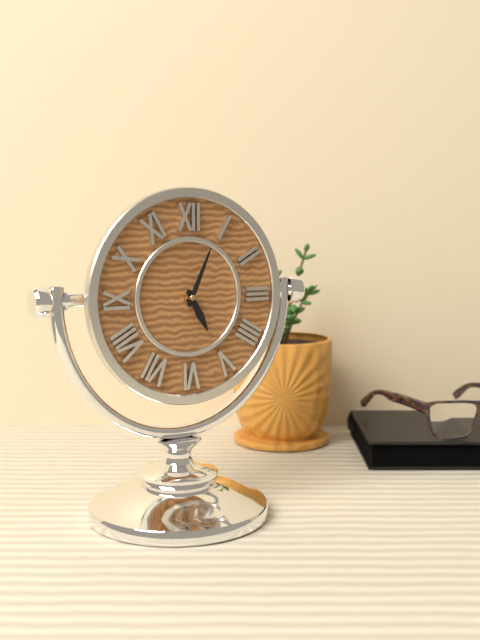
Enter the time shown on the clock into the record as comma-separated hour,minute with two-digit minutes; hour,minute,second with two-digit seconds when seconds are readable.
5,04
